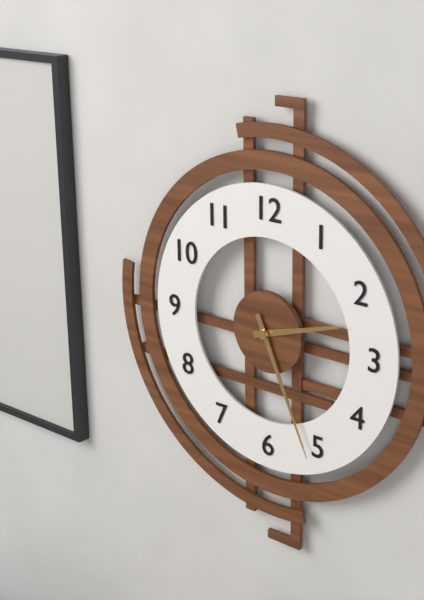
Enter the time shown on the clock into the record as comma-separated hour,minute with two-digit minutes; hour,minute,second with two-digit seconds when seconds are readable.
2,26
